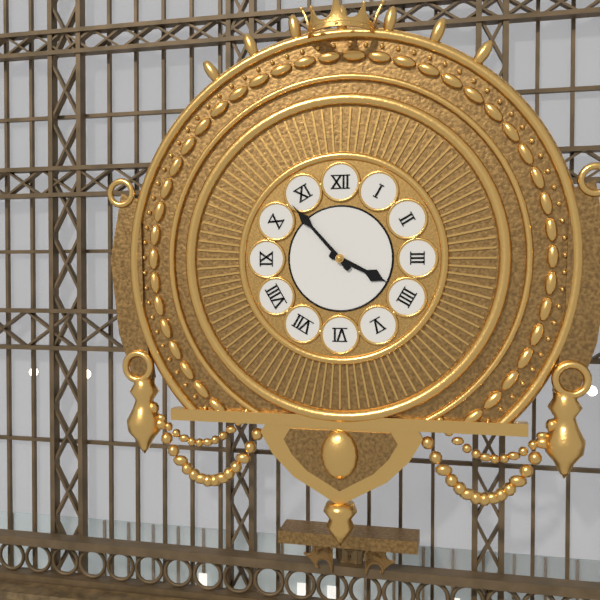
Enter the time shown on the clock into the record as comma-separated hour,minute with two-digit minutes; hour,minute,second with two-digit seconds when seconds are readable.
3,53
